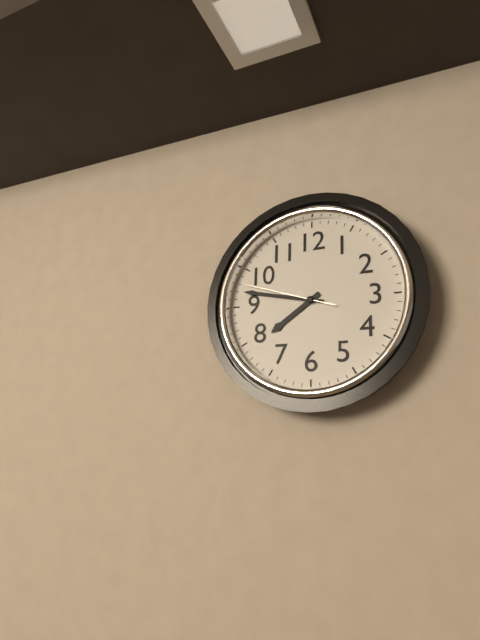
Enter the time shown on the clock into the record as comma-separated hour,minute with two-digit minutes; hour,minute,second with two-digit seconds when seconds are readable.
7,47,48
